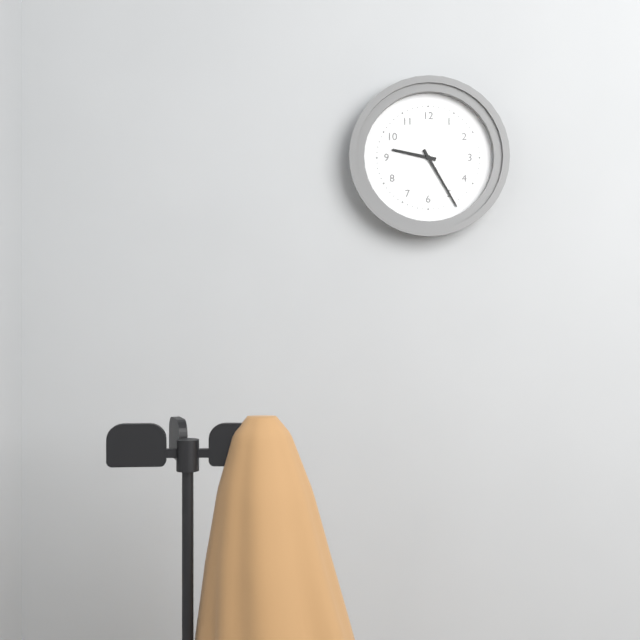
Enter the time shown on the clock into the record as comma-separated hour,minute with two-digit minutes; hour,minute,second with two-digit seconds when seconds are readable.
9,25
